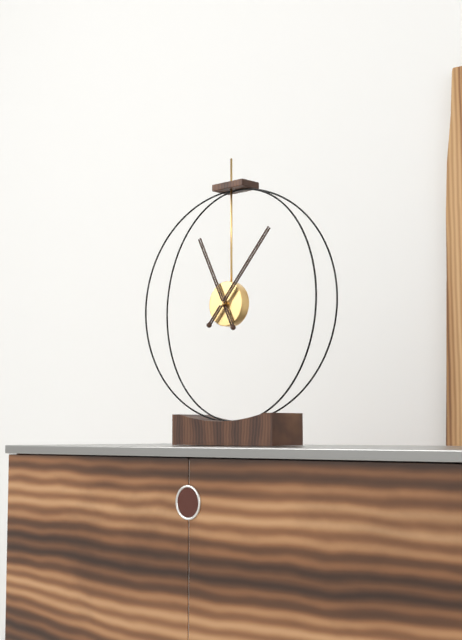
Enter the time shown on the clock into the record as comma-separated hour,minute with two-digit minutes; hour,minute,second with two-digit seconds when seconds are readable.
11,07
